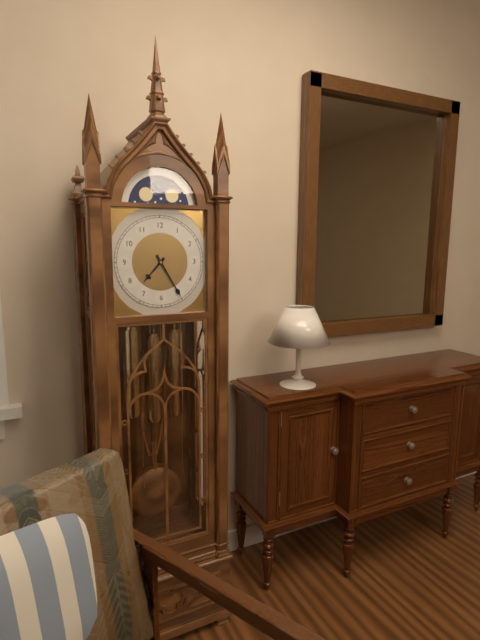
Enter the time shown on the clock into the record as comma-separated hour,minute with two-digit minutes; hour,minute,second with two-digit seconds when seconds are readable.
7,25
